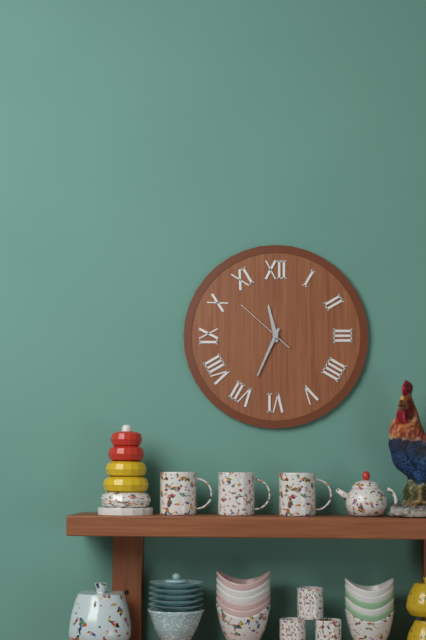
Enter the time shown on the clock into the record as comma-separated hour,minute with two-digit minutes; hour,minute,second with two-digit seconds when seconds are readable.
11,34,52
